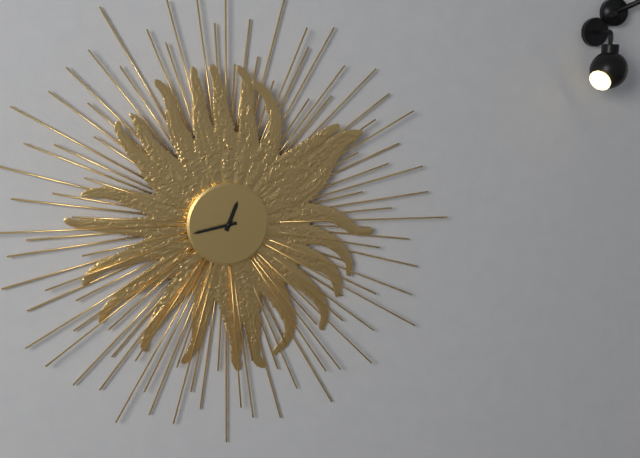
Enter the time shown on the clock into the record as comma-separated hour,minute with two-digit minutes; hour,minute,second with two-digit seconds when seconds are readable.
12,43
